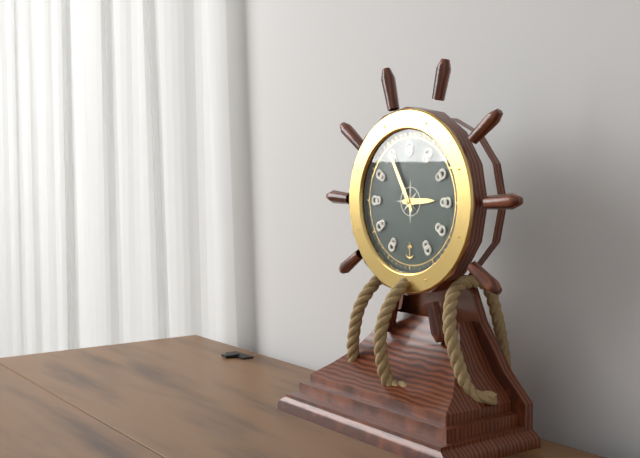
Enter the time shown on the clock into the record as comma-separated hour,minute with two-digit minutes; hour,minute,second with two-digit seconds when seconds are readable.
2,55
